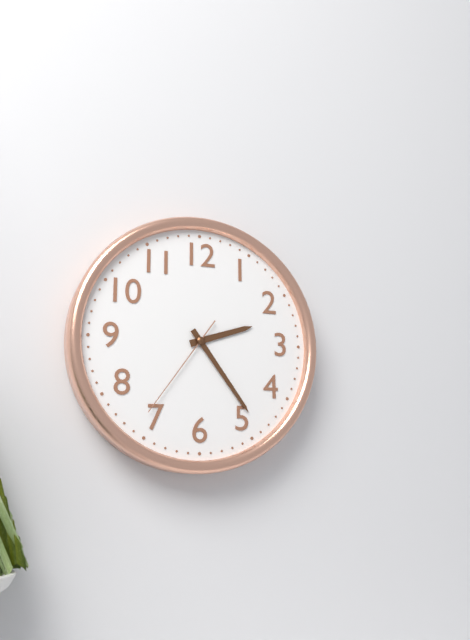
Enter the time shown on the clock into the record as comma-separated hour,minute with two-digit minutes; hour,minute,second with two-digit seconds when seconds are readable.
2,24,36
